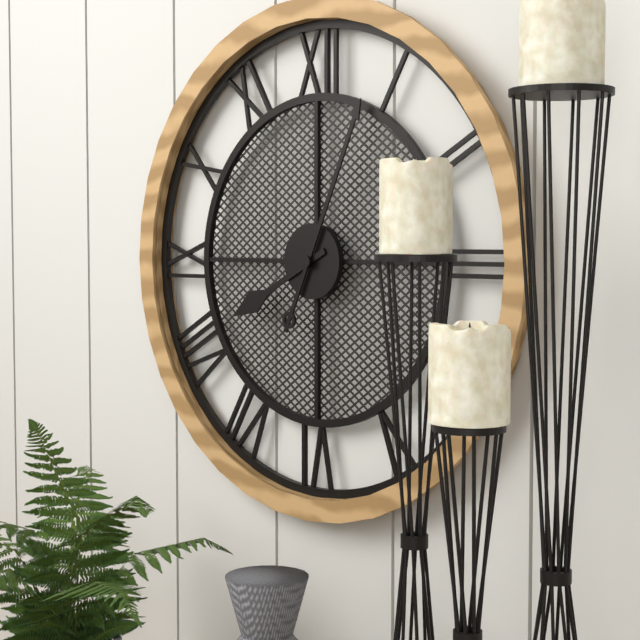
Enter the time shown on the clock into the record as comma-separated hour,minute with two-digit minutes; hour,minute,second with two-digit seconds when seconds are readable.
8,04
